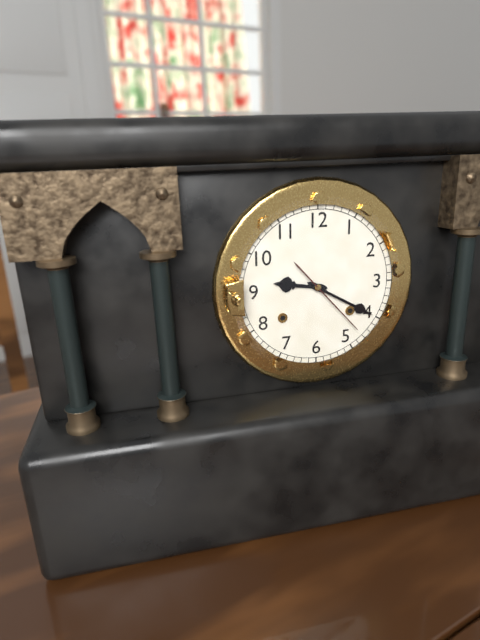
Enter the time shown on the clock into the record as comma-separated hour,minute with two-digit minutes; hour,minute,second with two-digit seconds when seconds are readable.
9,20,23
